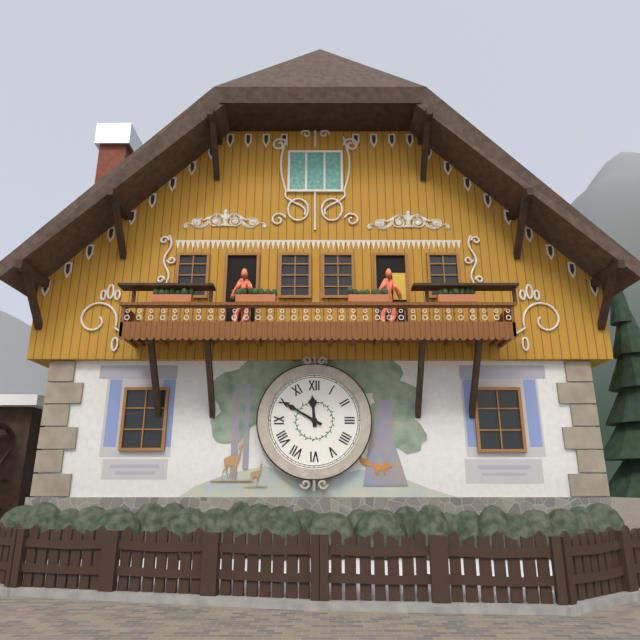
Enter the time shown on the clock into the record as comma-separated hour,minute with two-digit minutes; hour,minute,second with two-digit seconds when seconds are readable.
11,50
